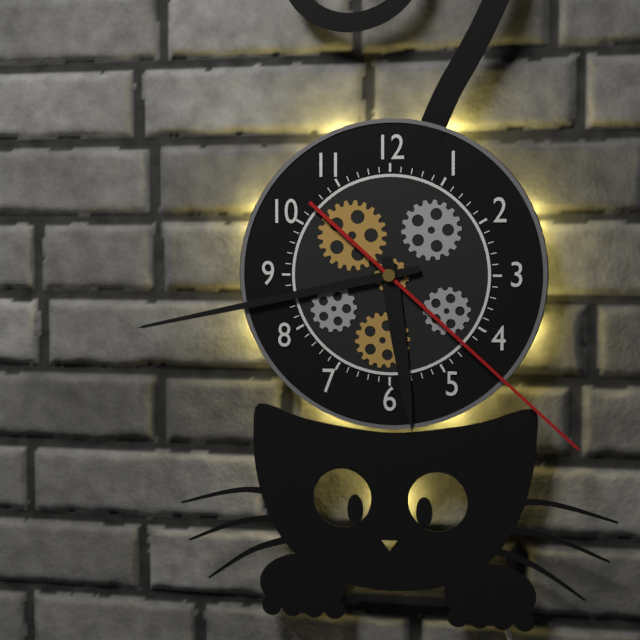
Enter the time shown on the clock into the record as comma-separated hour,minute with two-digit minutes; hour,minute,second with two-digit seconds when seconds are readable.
5,43,22
